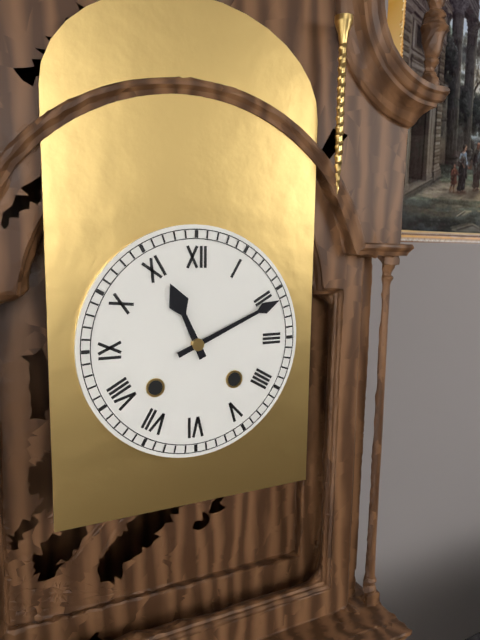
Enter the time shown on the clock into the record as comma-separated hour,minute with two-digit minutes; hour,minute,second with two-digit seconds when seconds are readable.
11,11
